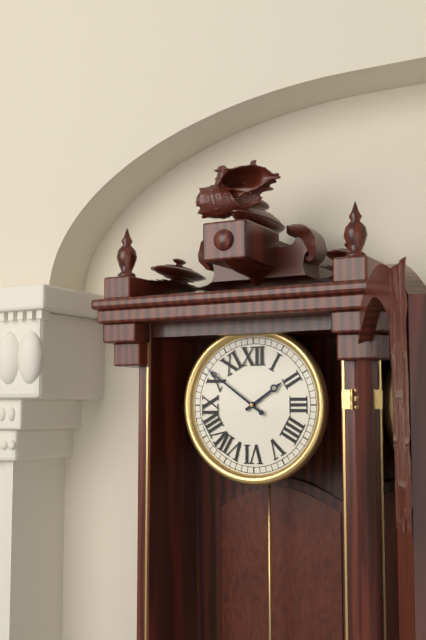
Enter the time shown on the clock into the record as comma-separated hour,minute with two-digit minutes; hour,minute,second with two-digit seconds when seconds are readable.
1,51
